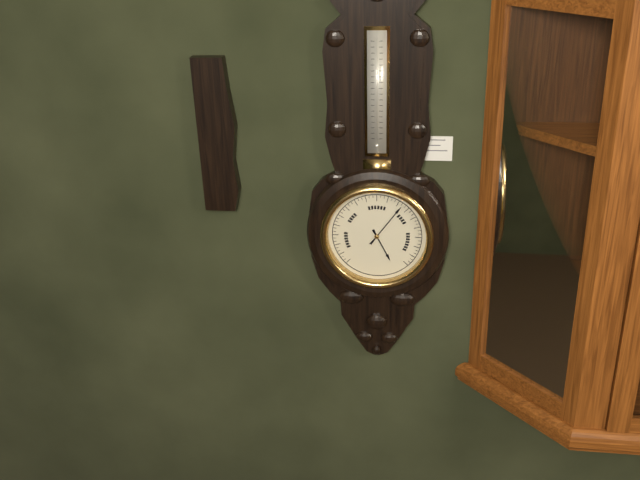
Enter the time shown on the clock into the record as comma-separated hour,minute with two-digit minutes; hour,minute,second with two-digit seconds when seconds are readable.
5,06
